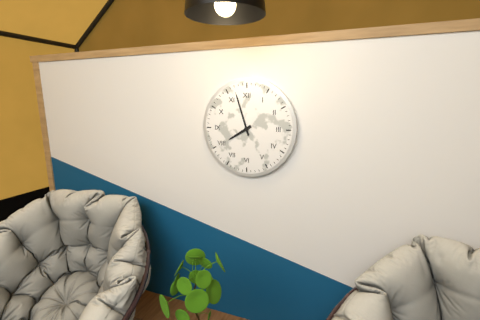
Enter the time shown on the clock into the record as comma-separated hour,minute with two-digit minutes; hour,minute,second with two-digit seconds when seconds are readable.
7,57
